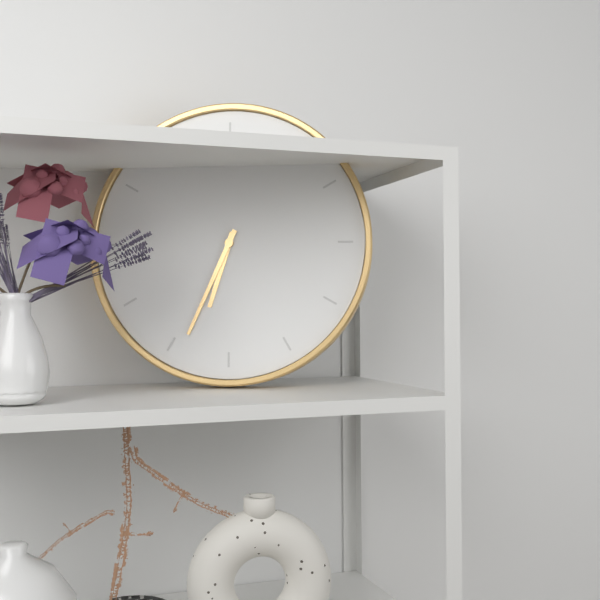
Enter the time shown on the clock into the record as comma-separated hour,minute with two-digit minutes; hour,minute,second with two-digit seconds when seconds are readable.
6,34
